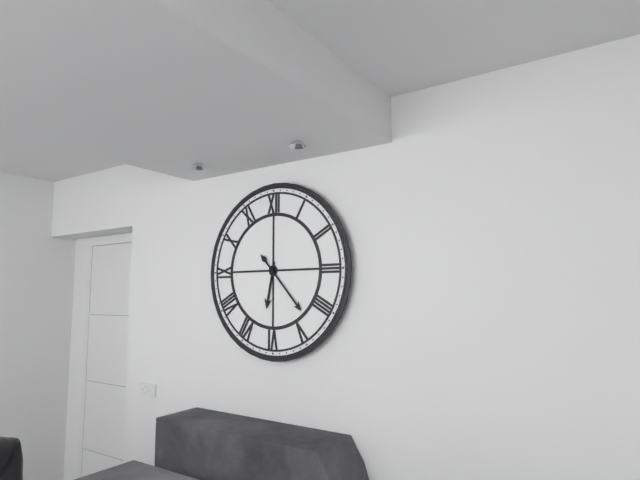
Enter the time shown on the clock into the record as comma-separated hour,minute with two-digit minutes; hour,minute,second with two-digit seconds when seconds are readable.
6,23
